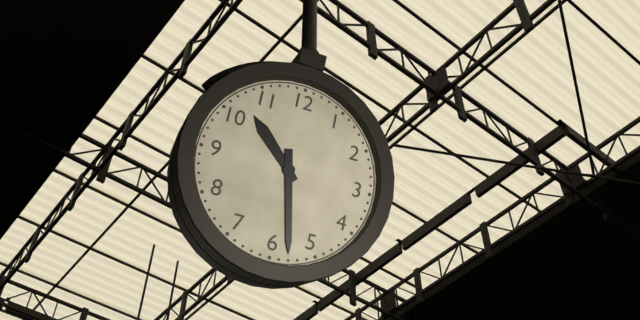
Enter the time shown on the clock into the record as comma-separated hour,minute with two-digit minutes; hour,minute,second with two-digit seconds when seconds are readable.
10,28
